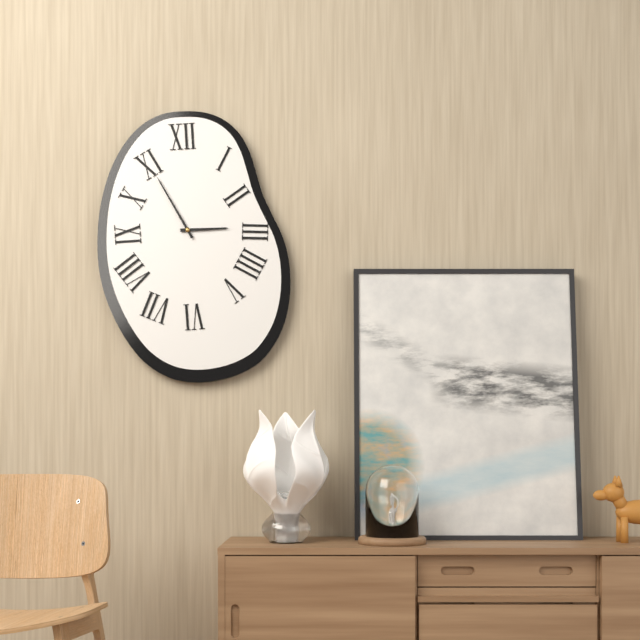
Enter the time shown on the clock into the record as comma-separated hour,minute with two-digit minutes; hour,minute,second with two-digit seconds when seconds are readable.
2,55
